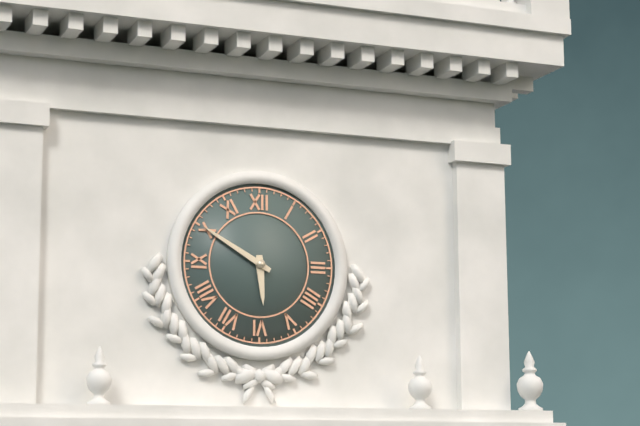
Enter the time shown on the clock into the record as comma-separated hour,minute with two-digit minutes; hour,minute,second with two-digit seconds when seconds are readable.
5,50
